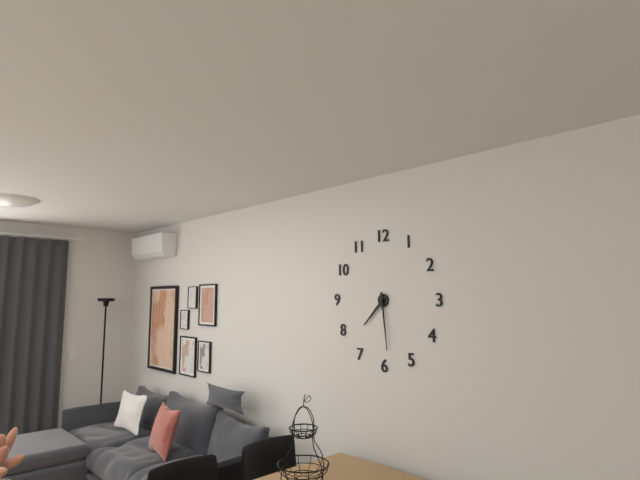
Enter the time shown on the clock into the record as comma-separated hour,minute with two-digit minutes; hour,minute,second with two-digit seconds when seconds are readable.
7,29
